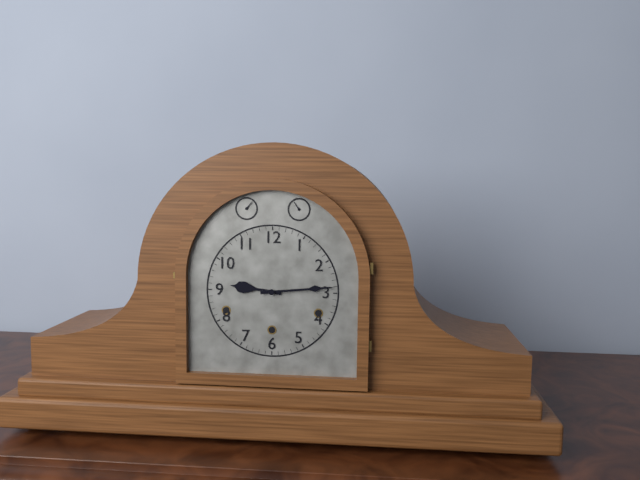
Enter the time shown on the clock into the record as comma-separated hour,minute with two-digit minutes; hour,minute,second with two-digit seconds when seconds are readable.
9,14
